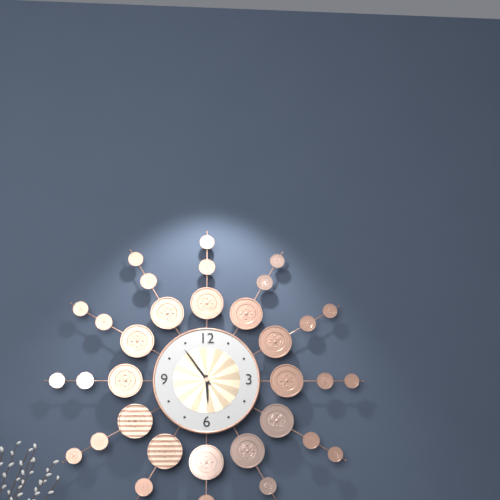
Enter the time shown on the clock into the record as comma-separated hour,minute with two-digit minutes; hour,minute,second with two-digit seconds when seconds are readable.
5,54
